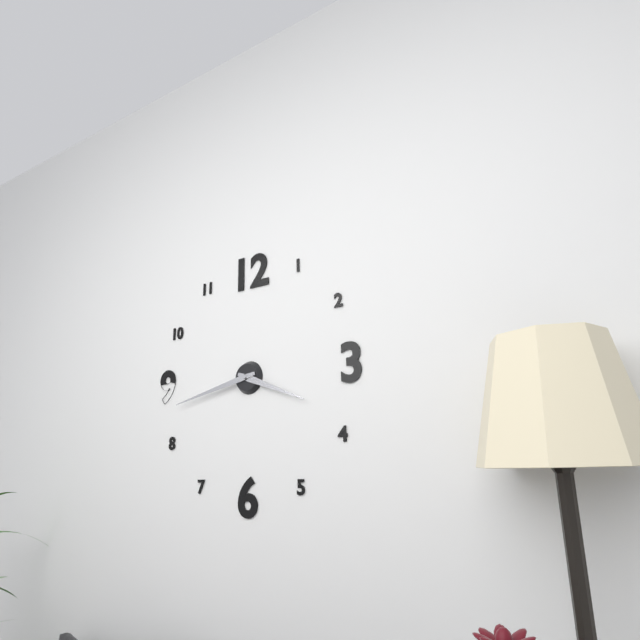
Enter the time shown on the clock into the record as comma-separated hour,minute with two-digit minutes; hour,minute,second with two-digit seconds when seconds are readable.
3,43
